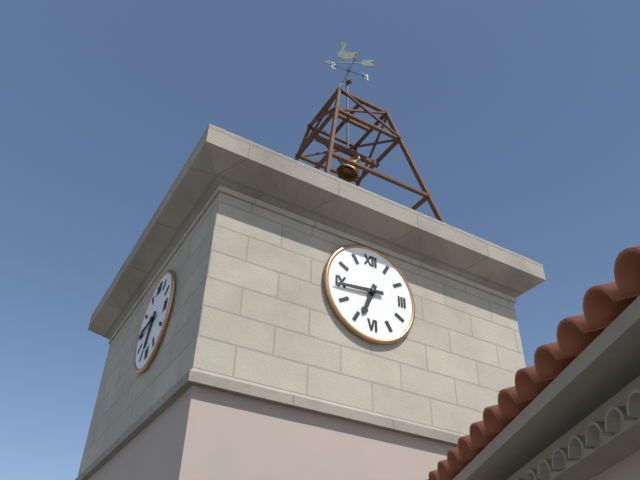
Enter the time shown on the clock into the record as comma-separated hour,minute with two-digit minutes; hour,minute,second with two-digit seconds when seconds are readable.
6,44
